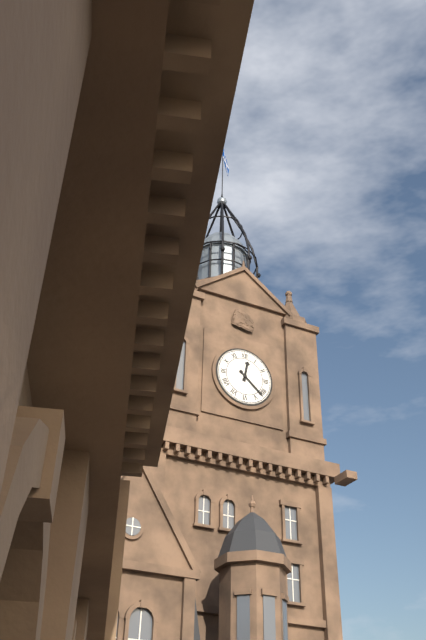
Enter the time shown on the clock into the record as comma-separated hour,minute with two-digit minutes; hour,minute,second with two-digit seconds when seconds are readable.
12,22
